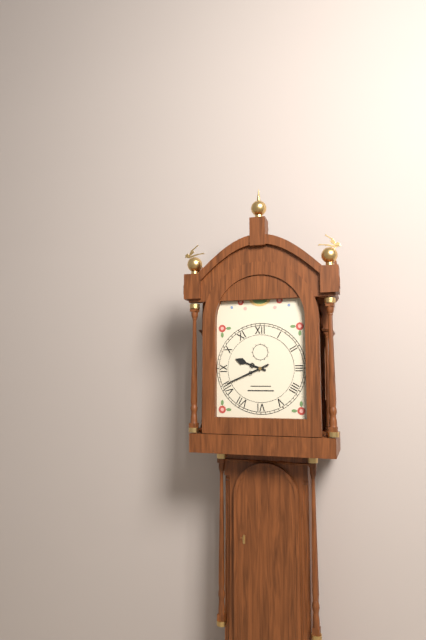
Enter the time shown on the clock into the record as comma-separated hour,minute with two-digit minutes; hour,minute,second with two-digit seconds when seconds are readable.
9,41
